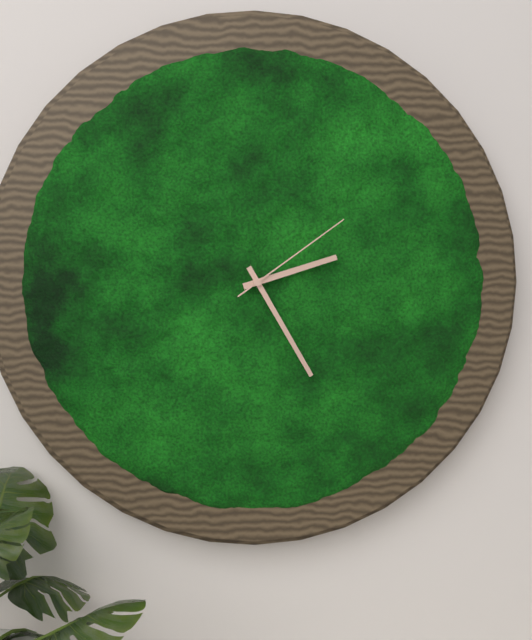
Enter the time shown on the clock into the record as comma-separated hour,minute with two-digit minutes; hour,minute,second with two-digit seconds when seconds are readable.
2,25,09
